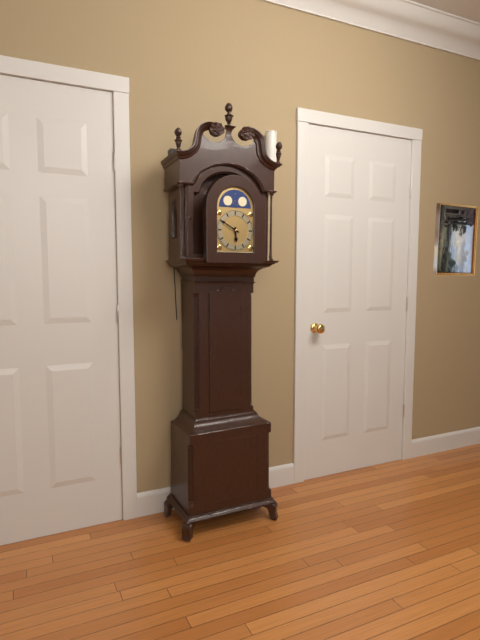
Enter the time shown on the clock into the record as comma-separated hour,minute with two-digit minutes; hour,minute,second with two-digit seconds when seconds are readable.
5,50
